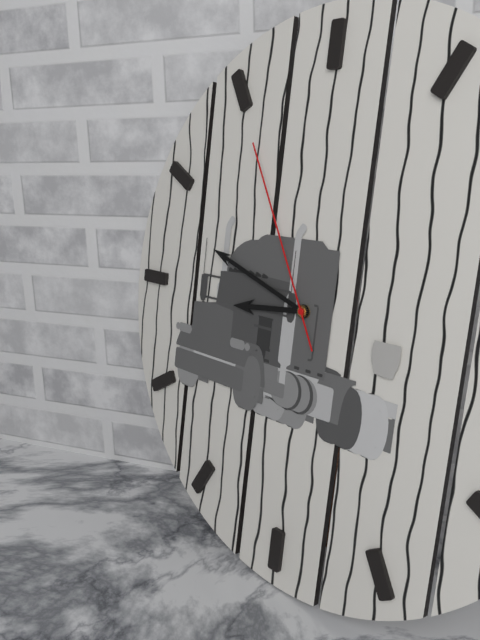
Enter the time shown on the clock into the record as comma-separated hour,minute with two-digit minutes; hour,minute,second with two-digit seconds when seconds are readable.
8,48,55
